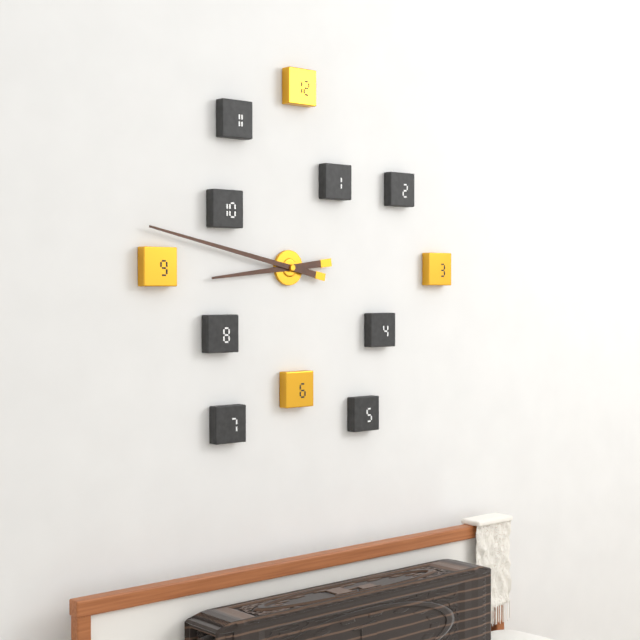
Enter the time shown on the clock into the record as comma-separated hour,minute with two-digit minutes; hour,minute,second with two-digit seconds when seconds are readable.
8,47
